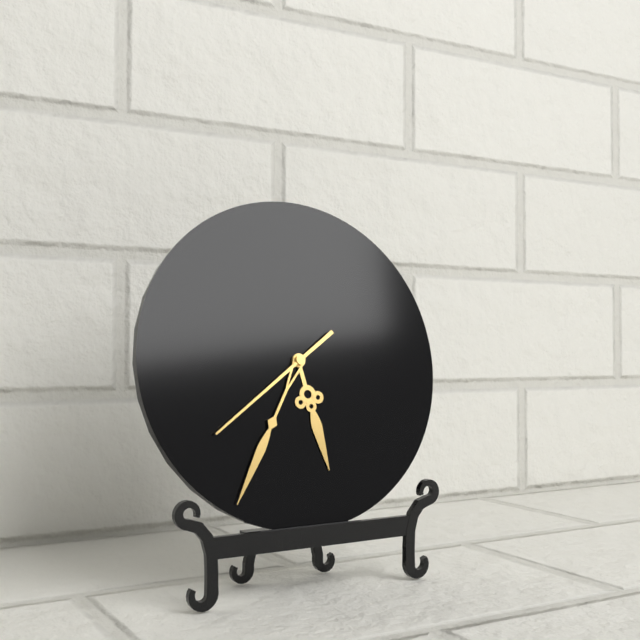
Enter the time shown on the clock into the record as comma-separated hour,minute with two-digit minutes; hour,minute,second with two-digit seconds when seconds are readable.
5,35,39
